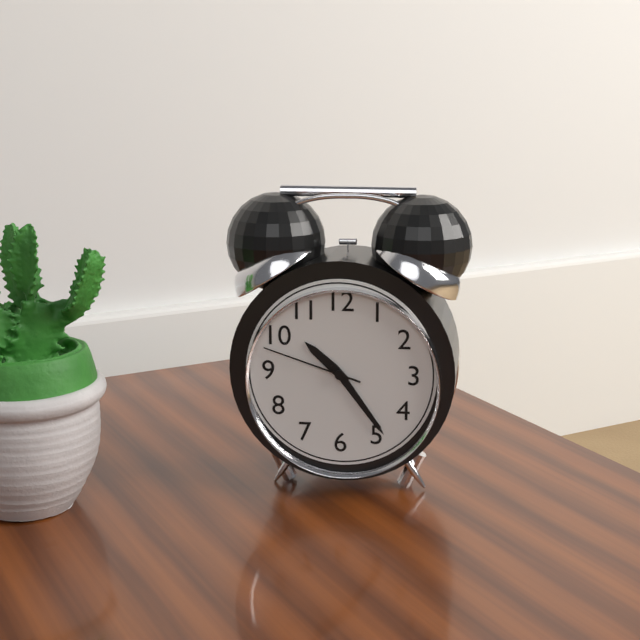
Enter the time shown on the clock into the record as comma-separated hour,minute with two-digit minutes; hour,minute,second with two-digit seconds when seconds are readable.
10,24,48
